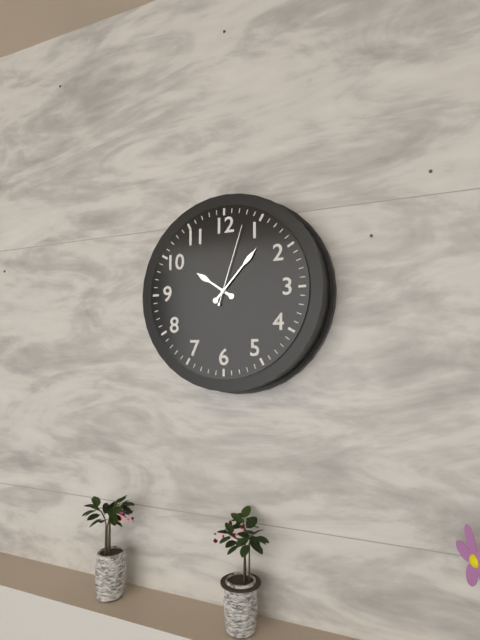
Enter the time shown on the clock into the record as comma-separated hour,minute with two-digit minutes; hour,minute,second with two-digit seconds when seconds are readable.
10,07,03
